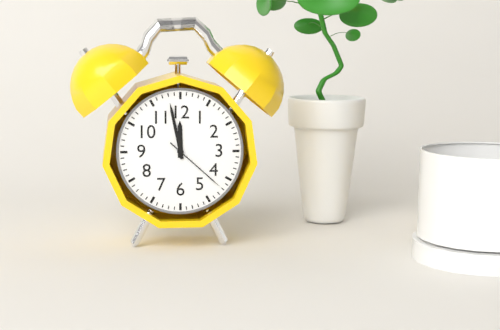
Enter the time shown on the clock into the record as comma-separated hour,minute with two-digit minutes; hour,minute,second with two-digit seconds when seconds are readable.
11,58,22
